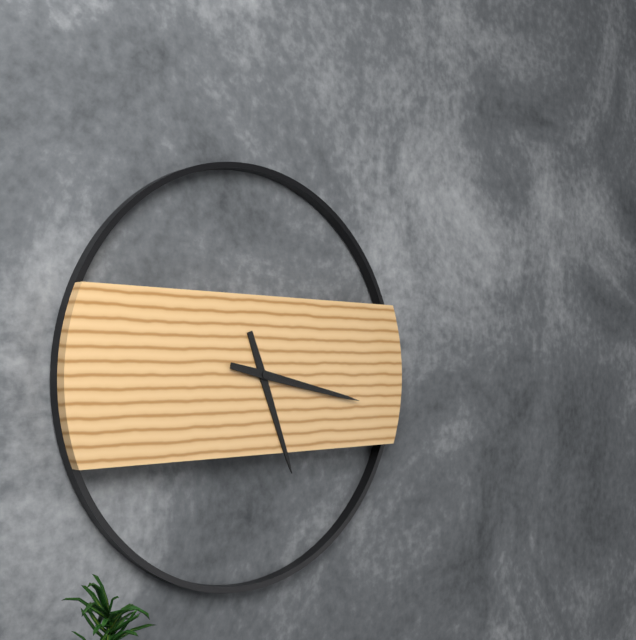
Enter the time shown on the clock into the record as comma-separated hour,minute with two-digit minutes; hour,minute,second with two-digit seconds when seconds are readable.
5,17
